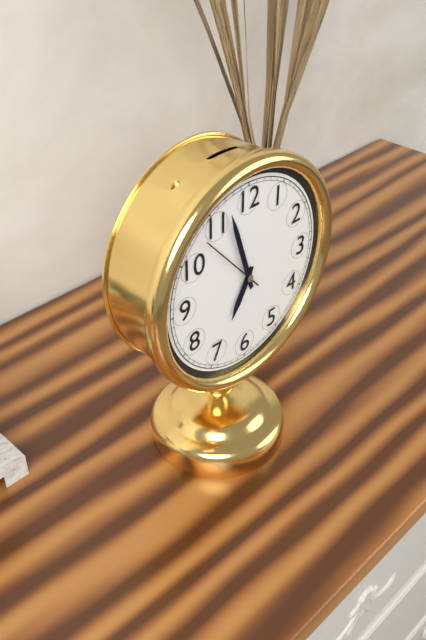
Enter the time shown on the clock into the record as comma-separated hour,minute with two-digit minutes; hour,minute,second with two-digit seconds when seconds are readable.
6,57
